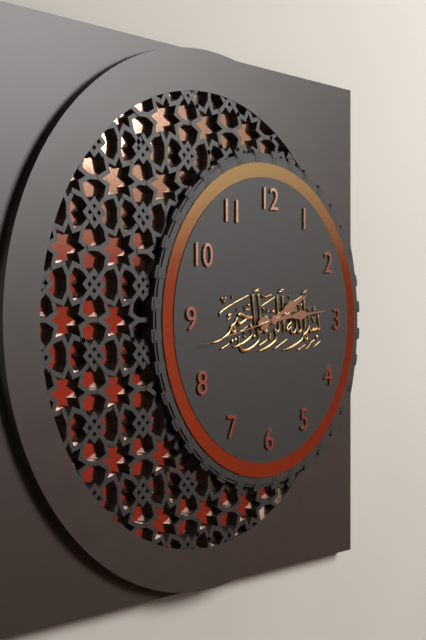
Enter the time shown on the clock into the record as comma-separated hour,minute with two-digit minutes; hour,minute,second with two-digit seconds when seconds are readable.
2,14,43
